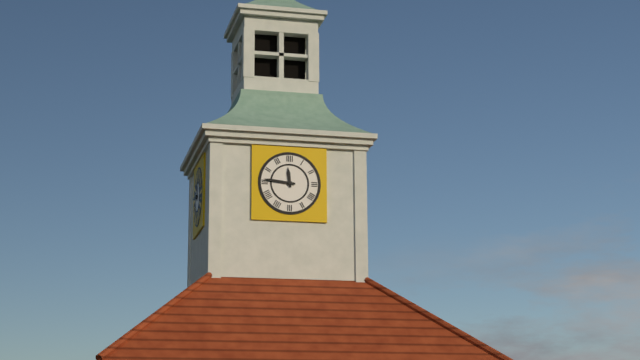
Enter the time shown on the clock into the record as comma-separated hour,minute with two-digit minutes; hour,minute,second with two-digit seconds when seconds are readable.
11,46
